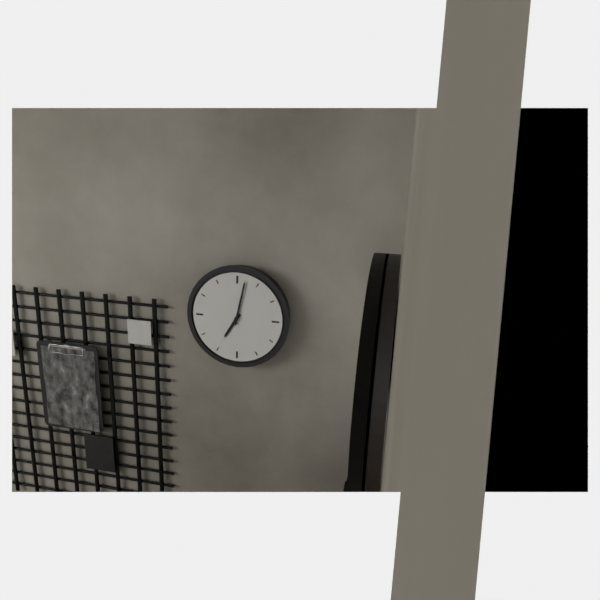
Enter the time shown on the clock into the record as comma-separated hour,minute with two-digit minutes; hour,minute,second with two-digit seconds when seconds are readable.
7,02
